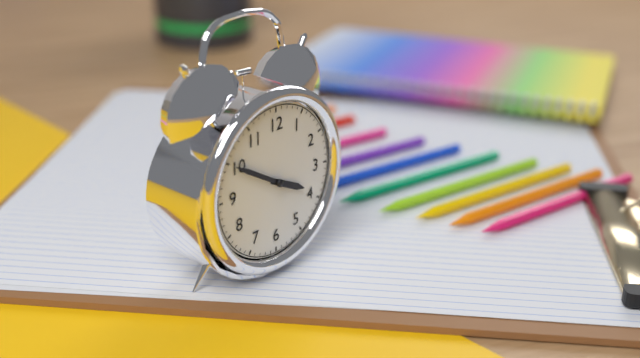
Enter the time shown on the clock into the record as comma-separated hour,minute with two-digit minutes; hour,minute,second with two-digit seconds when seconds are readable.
3,50
